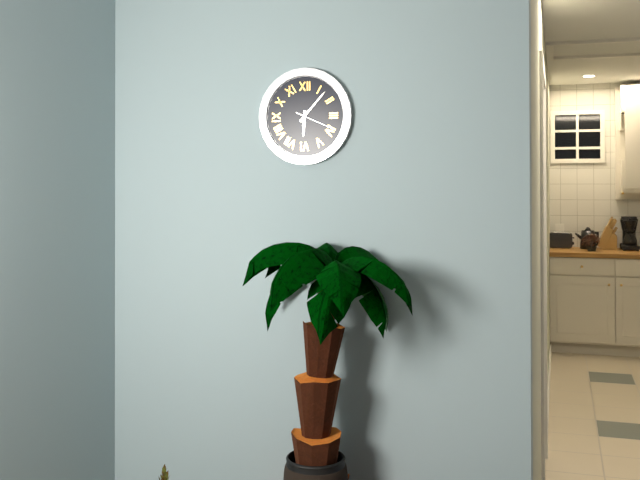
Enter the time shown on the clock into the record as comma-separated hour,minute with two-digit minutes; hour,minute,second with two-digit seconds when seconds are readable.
6,07
